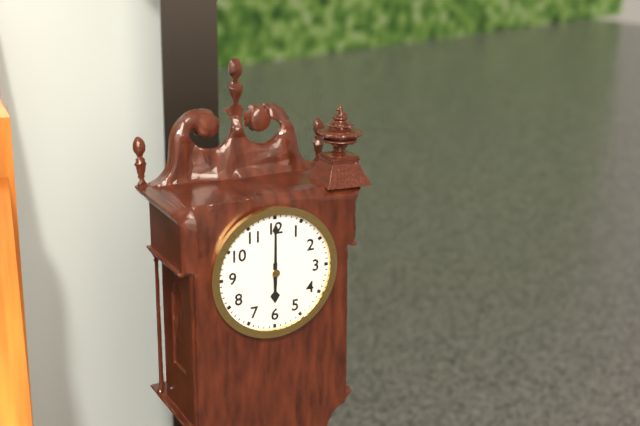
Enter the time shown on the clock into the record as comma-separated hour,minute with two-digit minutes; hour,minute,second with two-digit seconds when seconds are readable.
6,00
